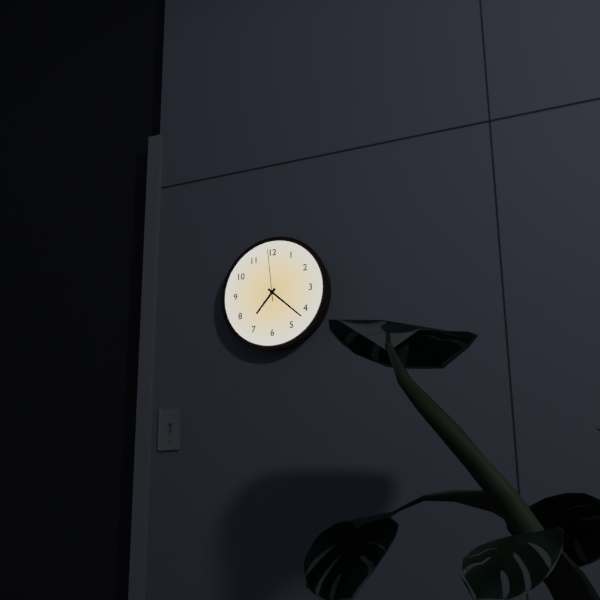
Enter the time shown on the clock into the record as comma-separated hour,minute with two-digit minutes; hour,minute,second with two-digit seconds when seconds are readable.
7,22,59
